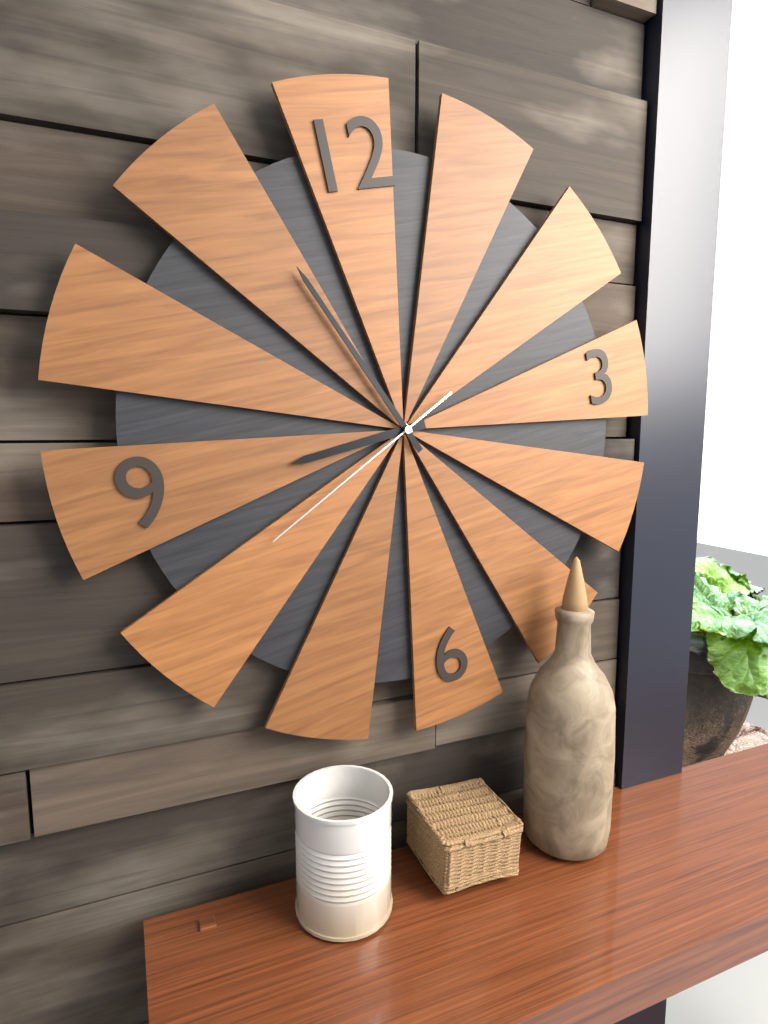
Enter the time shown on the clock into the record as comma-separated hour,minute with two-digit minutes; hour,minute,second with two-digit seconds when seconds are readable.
8,56,41
